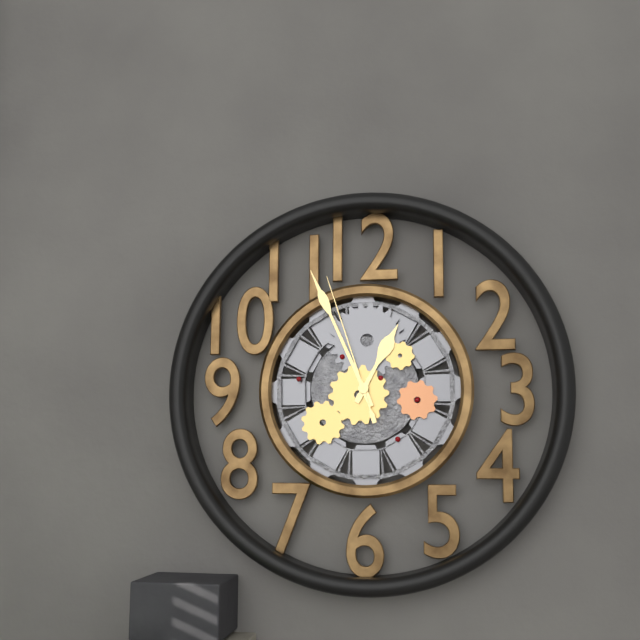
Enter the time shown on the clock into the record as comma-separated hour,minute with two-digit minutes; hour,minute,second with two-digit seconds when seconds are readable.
12,56,57
